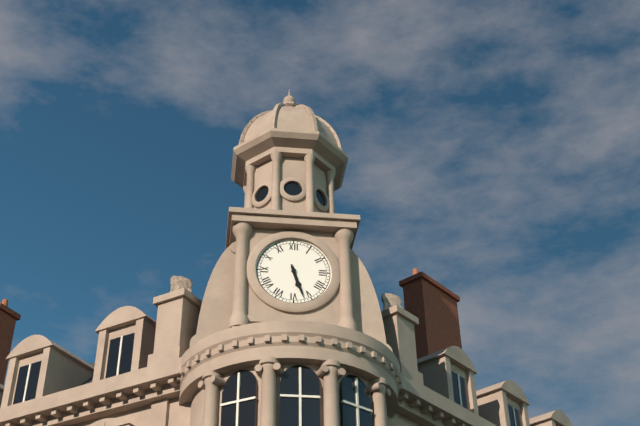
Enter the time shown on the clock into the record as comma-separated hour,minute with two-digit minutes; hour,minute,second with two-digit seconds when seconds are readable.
5,27
